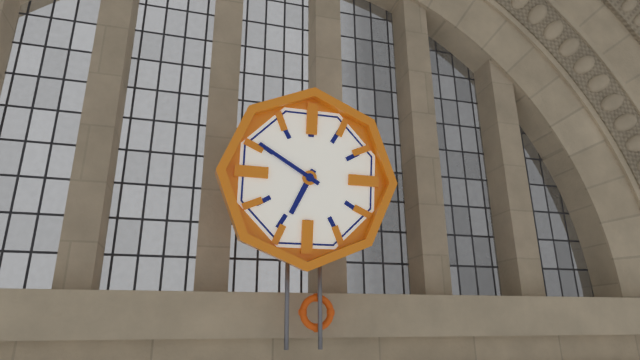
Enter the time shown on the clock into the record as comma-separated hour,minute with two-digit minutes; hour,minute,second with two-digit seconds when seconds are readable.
6,50
